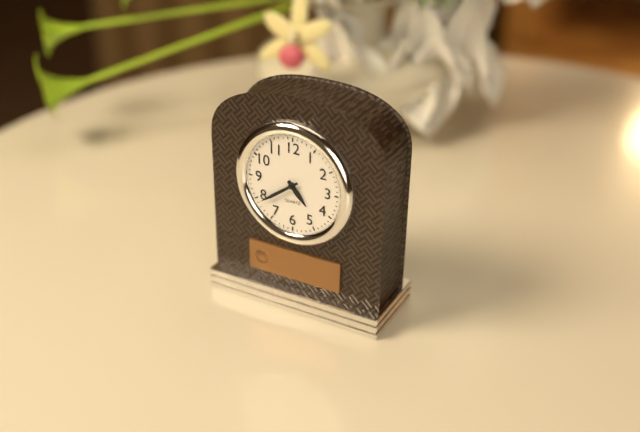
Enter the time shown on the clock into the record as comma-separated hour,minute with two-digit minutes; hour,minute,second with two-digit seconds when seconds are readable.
4,39
